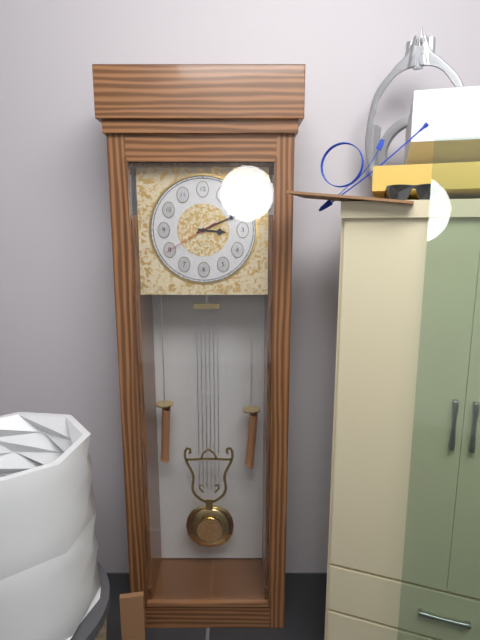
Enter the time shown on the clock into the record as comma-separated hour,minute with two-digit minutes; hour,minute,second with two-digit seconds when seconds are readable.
3,11,40
